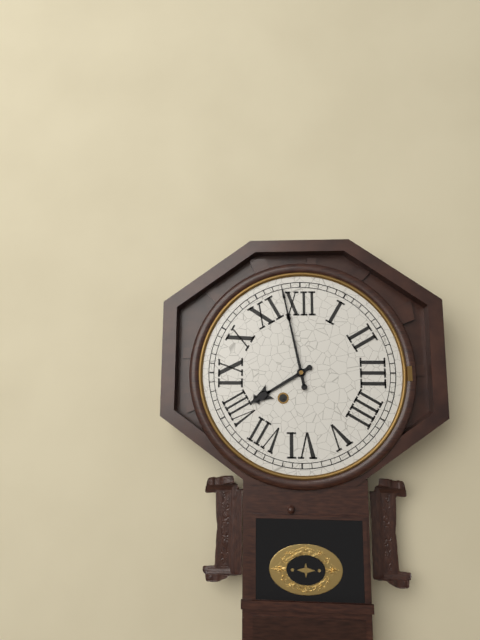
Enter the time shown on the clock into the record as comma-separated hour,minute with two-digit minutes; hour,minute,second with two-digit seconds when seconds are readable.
7,58
